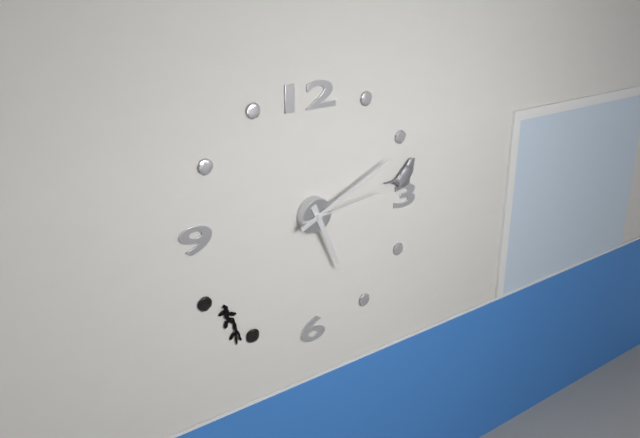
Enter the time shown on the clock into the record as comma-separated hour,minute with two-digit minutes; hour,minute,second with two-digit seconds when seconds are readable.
5,11,14
